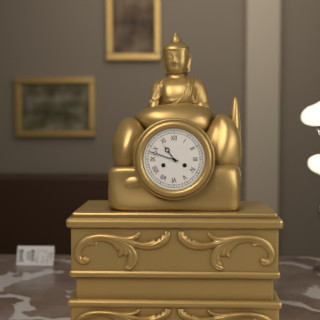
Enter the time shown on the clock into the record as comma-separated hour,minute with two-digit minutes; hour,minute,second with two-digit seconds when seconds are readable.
10,48
